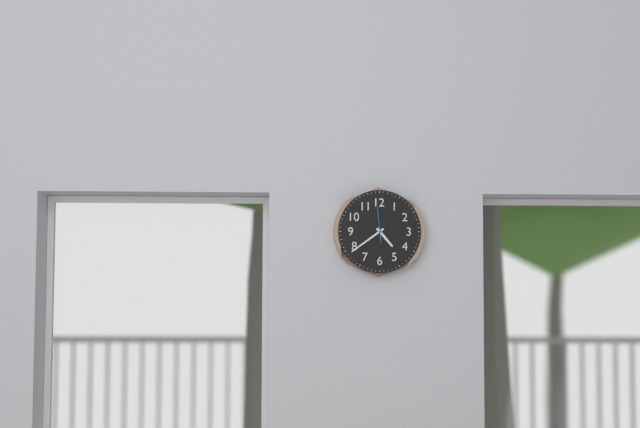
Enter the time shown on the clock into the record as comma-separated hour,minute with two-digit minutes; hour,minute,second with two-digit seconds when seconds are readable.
4,39
